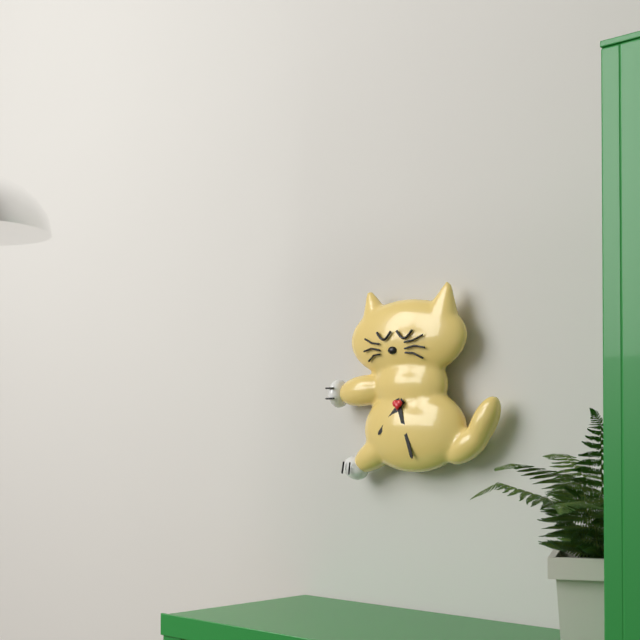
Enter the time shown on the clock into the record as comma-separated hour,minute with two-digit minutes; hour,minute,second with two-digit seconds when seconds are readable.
7,27
